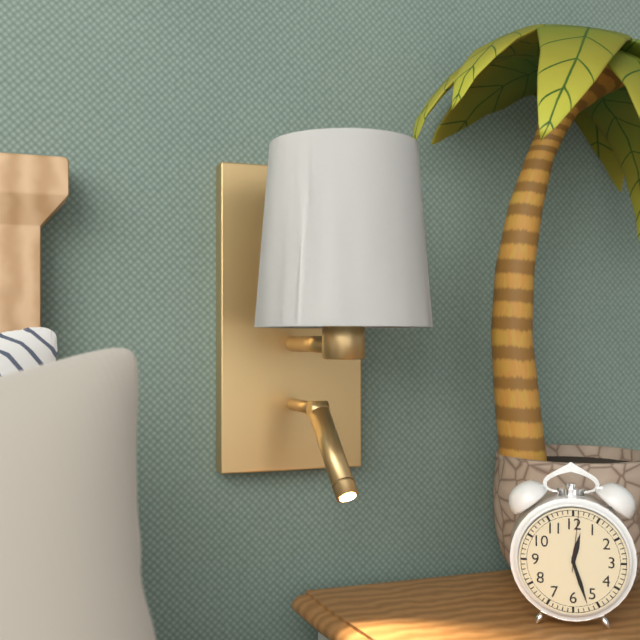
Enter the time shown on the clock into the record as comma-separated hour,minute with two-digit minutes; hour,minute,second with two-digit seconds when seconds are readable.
12,27,01
